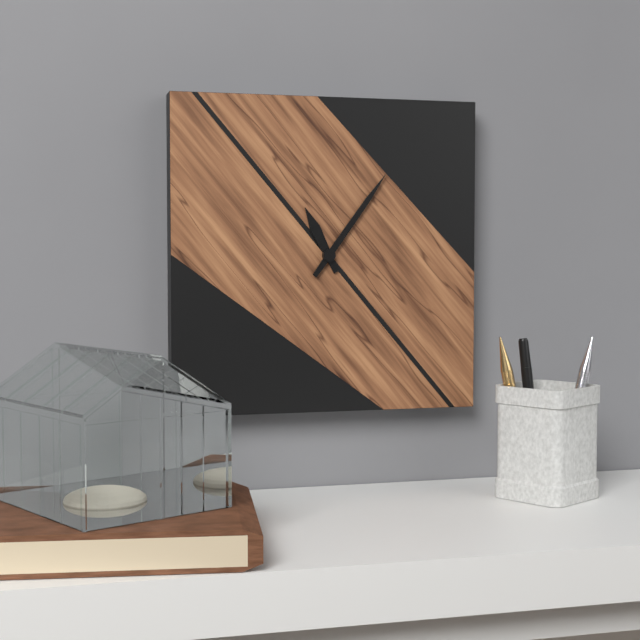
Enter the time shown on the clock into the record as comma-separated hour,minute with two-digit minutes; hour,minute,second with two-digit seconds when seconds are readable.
11,06
